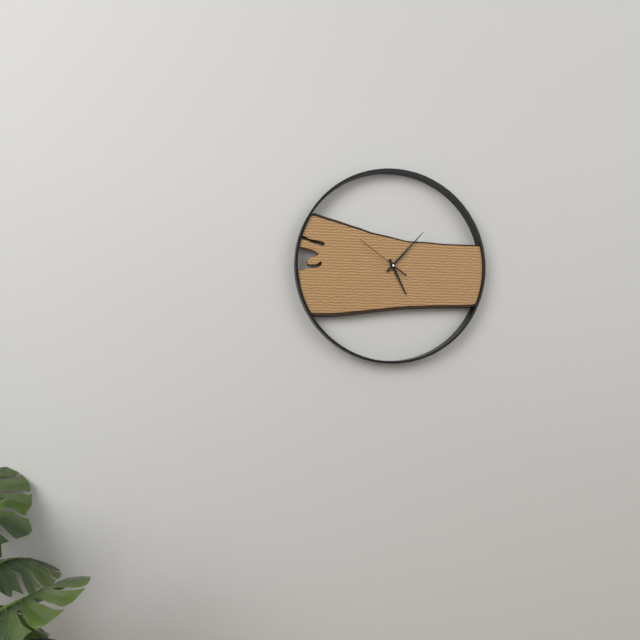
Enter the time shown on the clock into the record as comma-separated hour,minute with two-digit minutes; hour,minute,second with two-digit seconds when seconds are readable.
5,07,51
